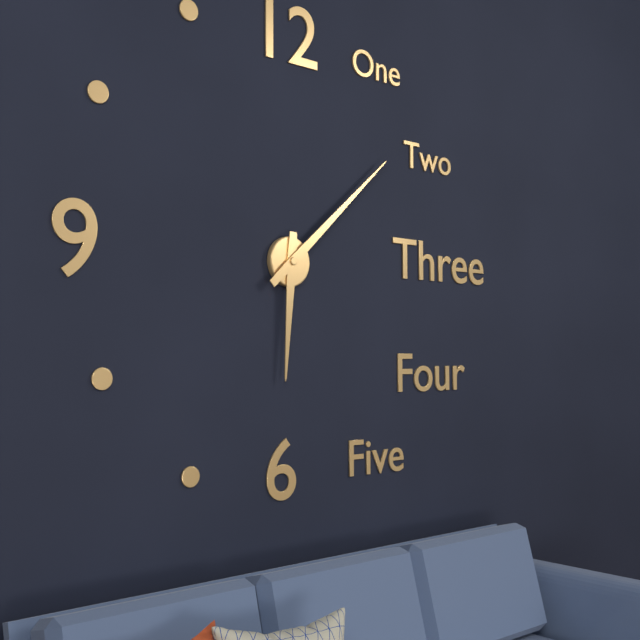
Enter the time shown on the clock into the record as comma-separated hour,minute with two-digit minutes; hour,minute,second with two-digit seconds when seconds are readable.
6,08
